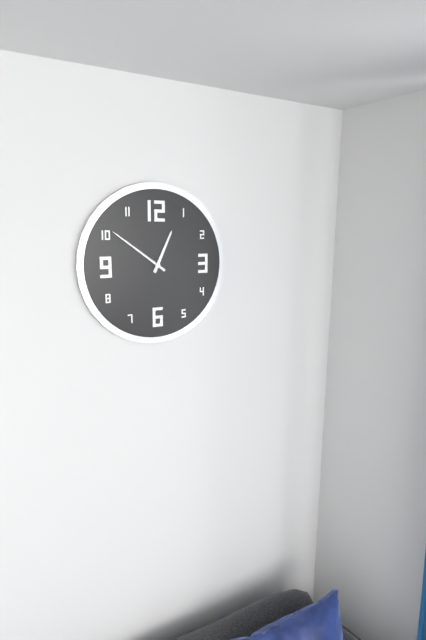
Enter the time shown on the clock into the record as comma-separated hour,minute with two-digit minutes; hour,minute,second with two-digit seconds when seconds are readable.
12,51
